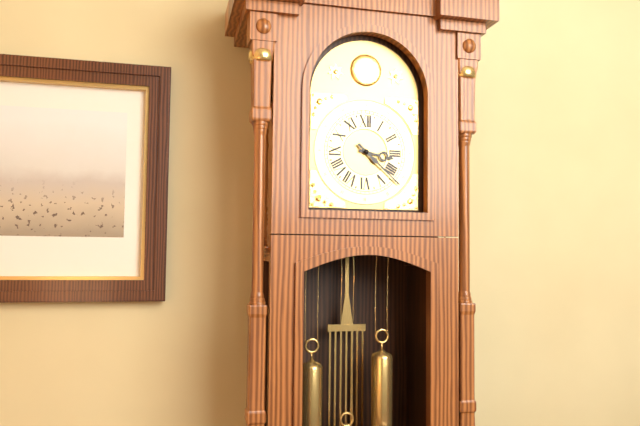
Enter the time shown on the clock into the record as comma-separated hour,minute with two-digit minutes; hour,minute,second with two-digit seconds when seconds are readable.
3,22
